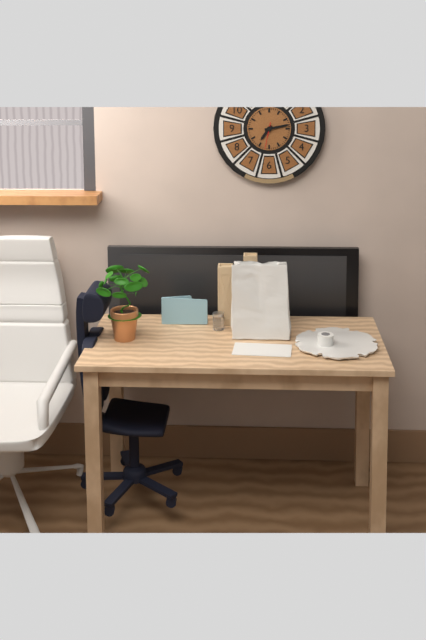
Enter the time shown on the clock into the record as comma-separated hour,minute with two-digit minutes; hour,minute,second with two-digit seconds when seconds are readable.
7,13
